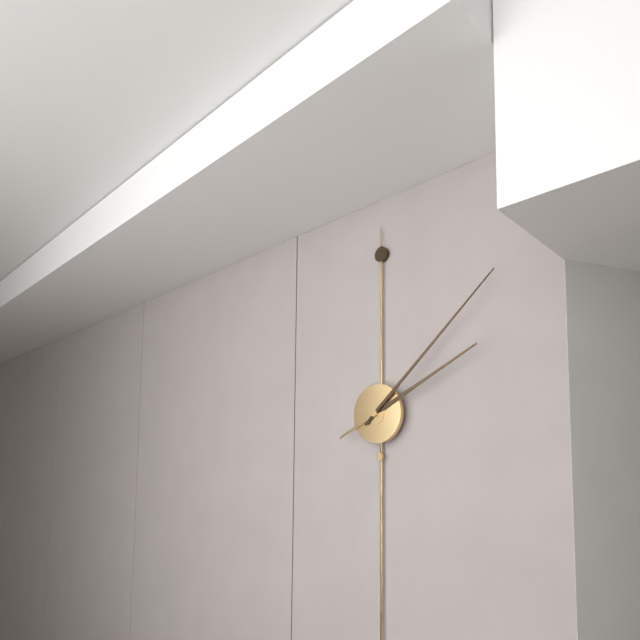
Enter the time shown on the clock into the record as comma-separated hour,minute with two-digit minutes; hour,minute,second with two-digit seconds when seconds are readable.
2,08
